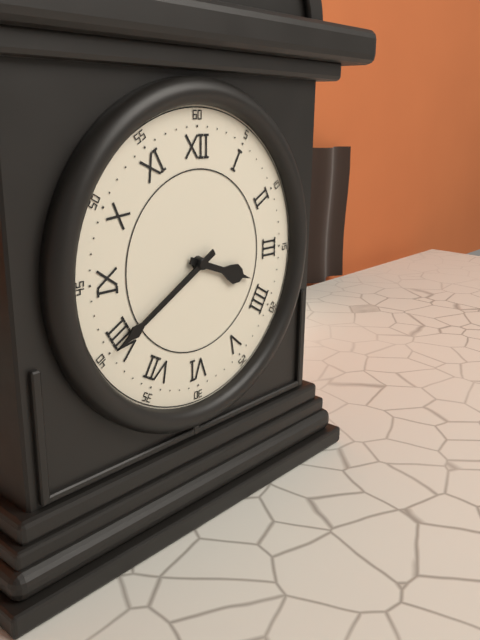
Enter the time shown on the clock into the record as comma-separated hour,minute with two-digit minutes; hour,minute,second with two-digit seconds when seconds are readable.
3,40
